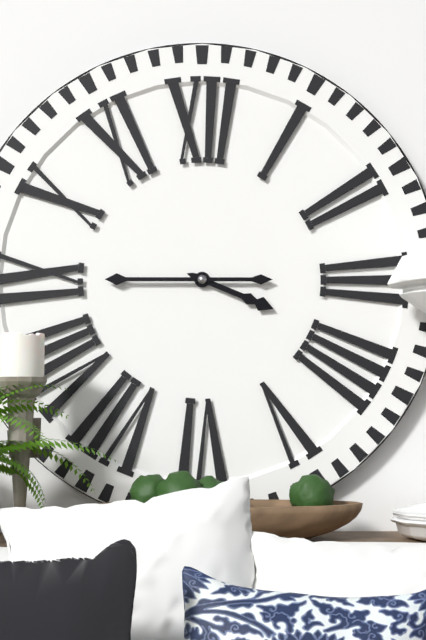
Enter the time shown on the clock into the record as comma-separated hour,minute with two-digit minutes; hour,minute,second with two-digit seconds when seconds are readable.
3,45
